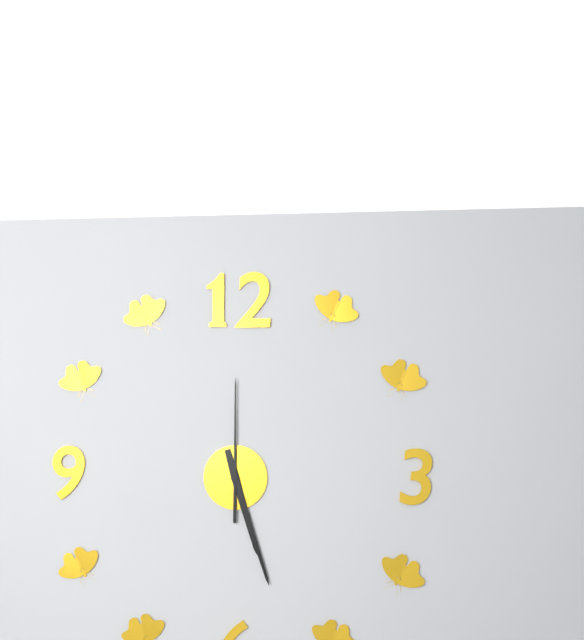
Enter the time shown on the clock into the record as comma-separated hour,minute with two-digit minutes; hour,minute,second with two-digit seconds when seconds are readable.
5,27,00
